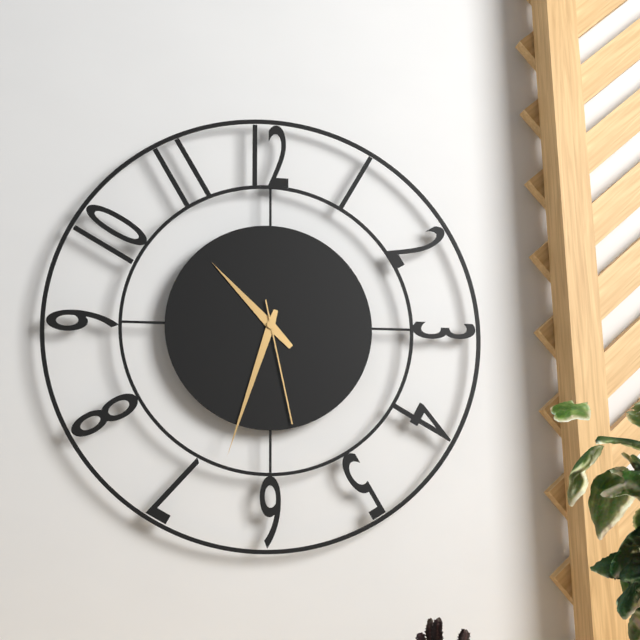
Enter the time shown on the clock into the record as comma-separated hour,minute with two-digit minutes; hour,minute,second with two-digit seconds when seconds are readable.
10,33,28
